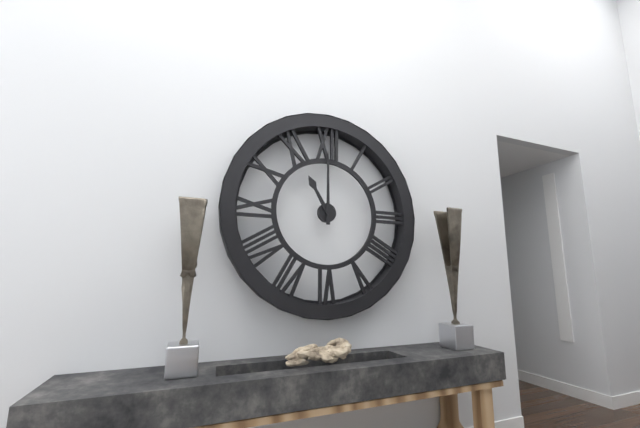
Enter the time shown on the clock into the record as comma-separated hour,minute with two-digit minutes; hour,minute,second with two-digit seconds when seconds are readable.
11,00
